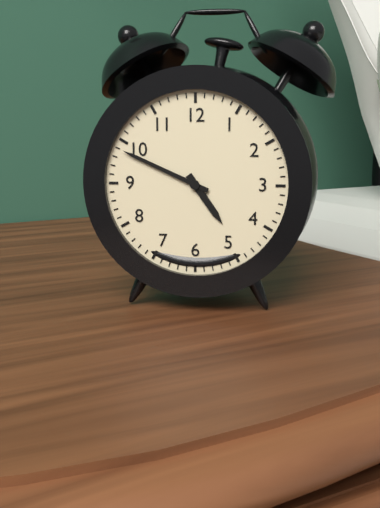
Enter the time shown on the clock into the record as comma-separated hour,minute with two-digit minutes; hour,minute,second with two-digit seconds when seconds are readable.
4,49
